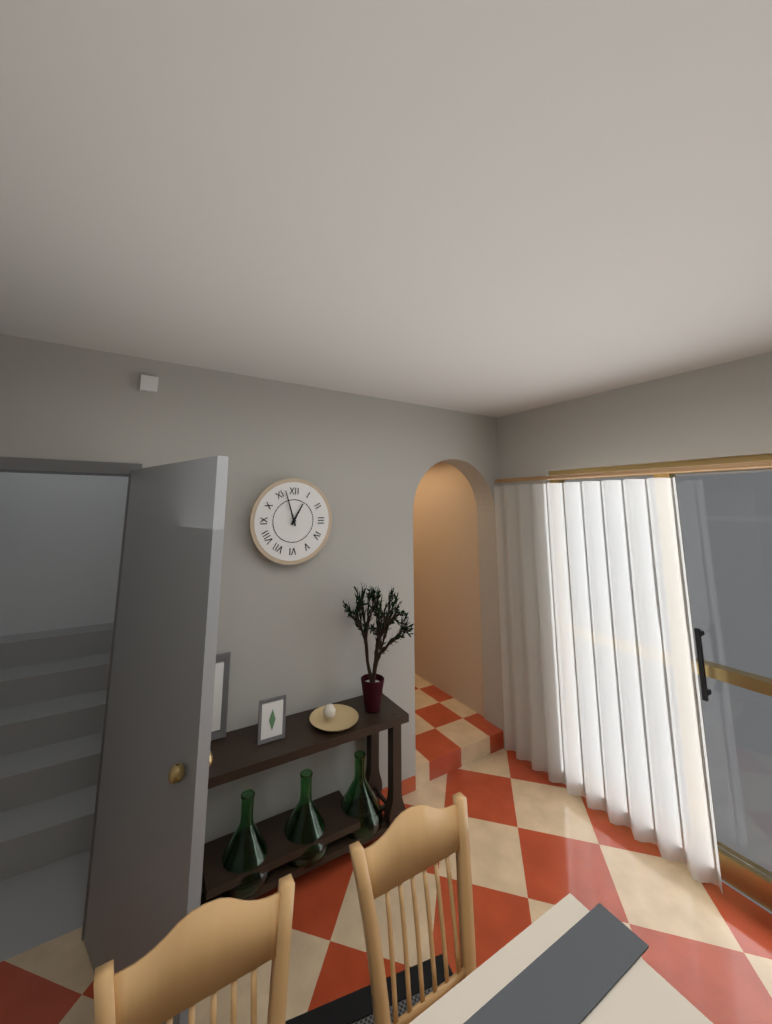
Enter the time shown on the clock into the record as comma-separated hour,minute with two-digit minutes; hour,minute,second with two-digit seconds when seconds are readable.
12,57
